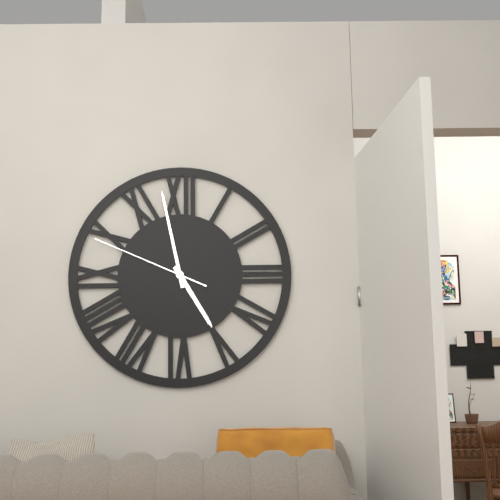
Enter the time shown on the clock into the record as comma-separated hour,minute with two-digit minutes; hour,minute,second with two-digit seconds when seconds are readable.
4,58,49
